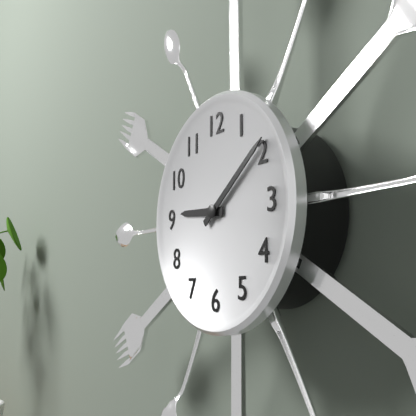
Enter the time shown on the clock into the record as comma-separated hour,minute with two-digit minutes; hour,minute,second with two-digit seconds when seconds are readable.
9,09
